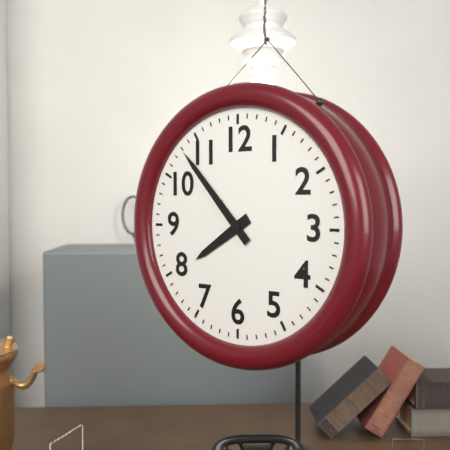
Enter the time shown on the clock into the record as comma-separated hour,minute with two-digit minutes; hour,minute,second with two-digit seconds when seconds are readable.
7,53
